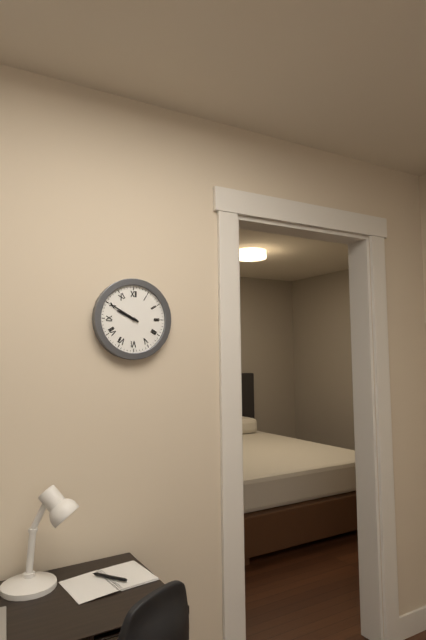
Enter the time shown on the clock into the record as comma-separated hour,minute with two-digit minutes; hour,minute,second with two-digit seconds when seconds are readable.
9,50
